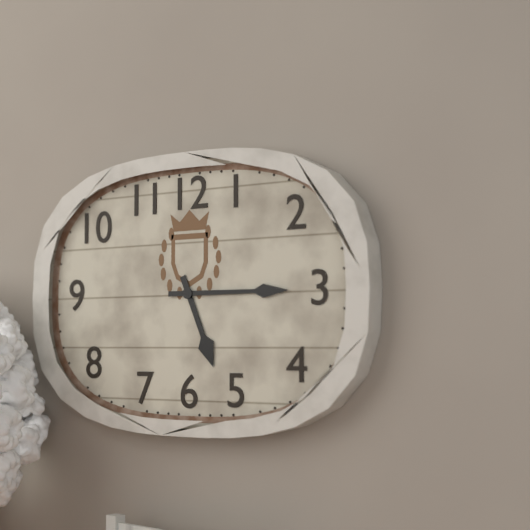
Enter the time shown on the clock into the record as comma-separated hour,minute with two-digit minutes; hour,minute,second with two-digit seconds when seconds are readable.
5,15
